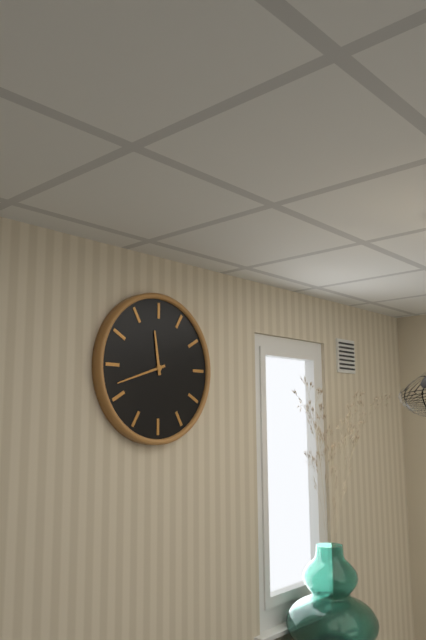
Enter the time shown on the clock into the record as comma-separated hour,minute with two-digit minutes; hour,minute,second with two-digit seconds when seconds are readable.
11,42
